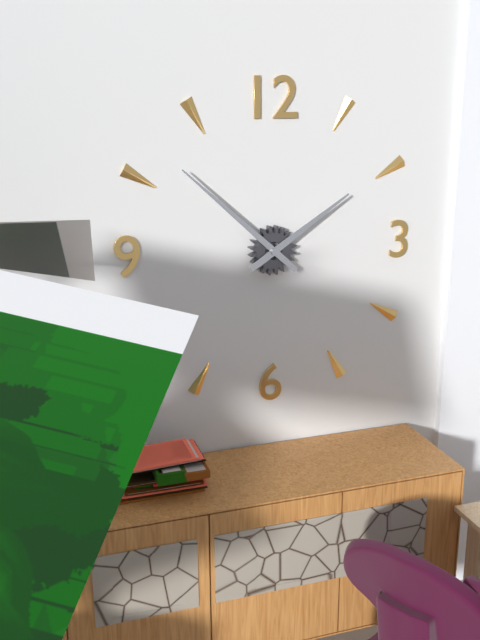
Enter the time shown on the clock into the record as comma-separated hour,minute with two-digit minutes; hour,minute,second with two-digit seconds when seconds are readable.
1,52
